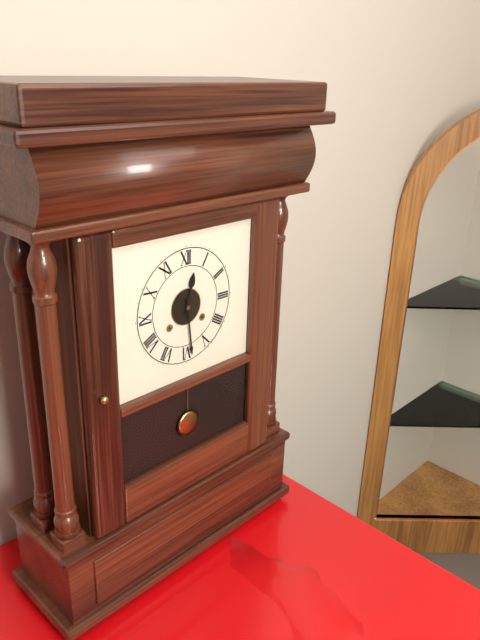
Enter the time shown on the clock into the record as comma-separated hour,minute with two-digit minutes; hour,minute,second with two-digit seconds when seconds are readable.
12,29
